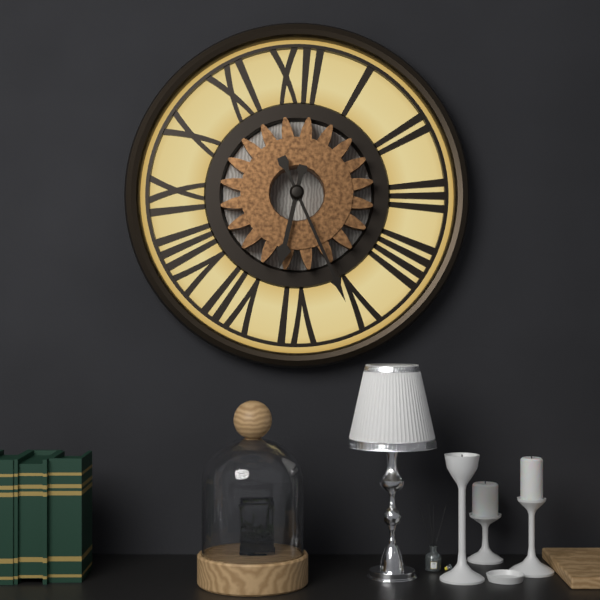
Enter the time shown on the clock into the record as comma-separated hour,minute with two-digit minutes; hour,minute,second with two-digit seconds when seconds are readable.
6,26
